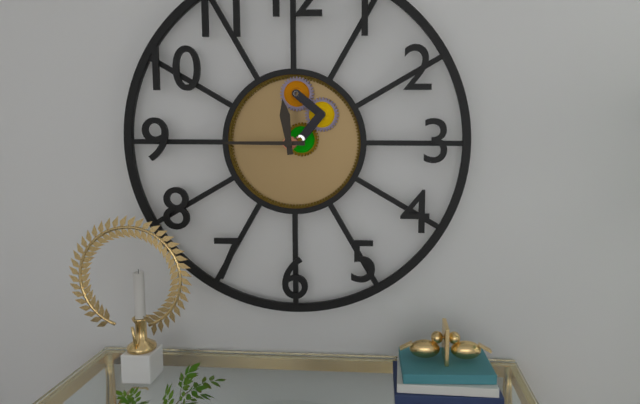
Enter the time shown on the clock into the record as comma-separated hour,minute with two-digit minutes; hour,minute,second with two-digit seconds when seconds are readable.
11,45
